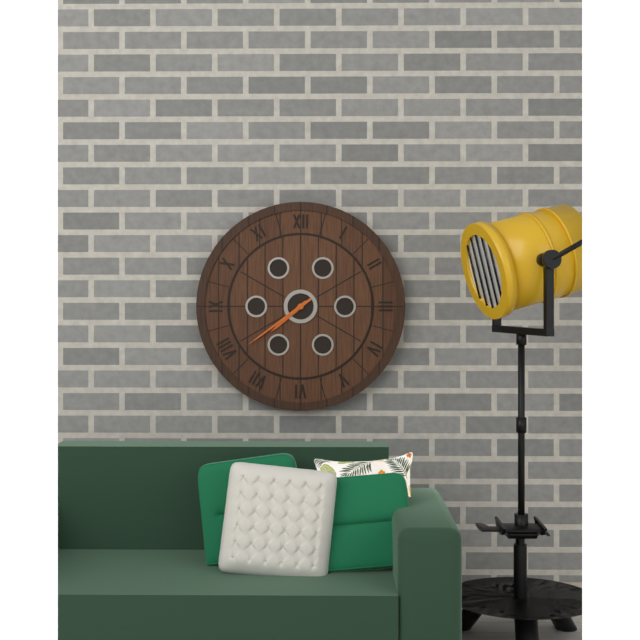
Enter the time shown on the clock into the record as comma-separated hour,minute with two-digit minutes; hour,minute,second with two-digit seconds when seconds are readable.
7,39
